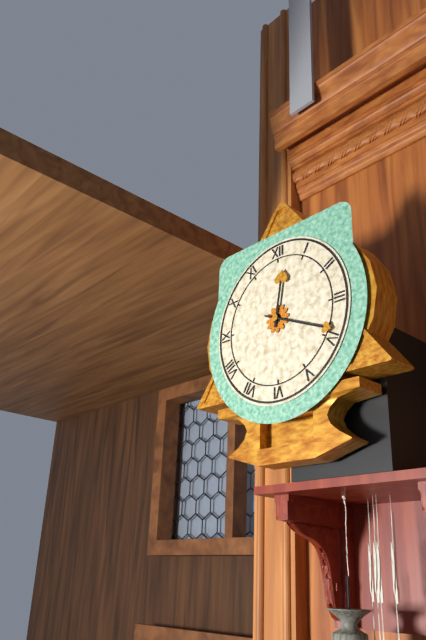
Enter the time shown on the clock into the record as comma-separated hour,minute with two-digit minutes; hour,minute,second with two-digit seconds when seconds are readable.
12,19
